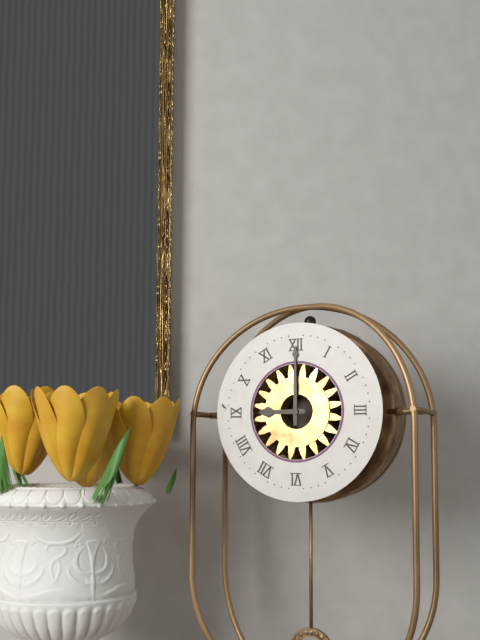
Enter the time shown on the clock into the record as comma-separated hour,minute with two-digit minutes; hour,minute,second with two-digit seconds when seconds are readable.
9,00
